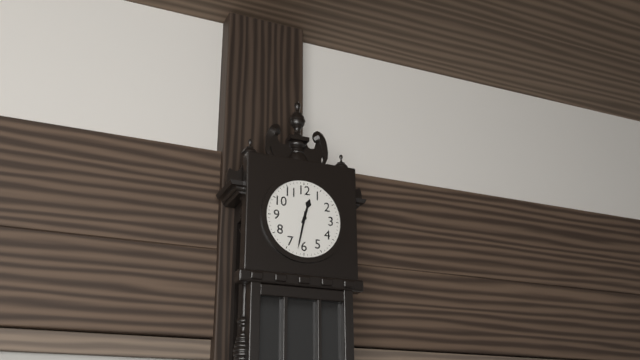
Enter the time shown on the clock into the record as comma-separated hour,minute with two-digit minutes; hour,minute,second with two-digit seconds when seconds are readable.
12,32
